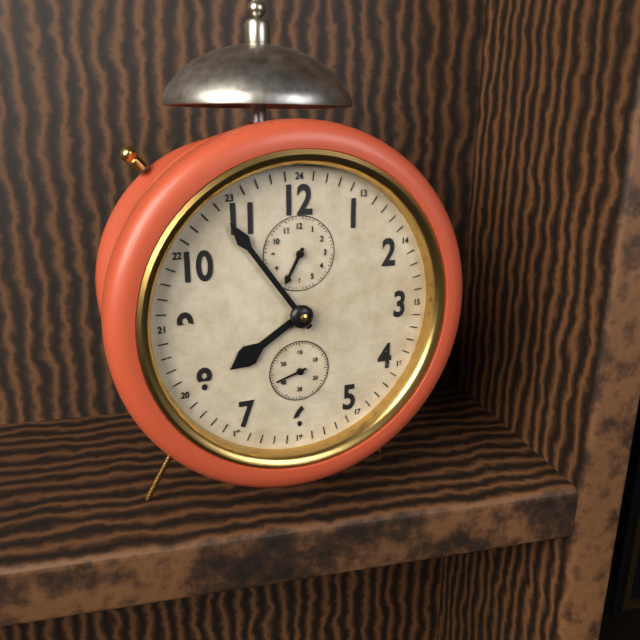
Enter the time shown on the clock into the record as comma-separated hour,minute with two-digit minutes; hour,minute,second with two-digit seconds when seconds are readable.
7,54
